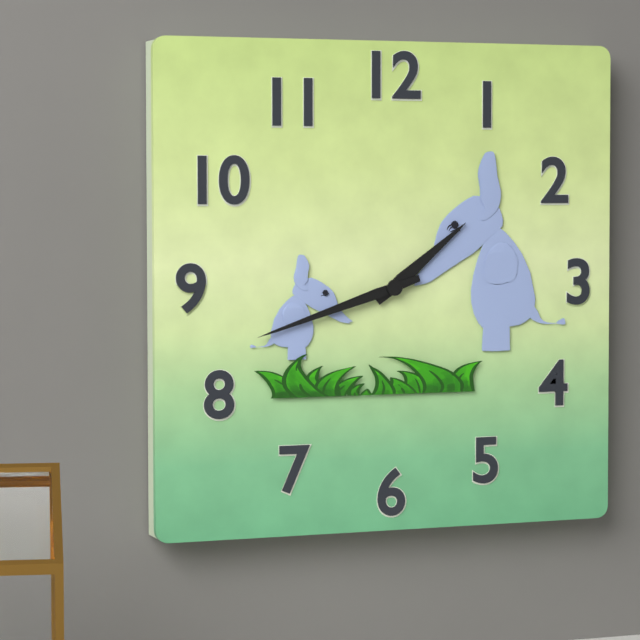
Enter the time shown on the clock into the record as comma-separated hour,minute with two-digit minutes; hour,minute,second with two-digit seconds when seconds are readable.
1,42
